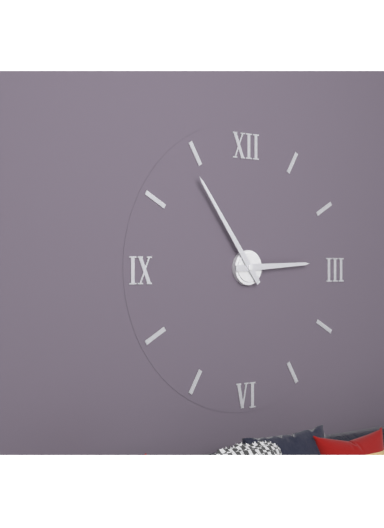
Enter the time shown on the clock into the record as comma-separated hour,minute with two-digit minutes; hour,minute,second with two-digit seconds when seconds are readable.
2,54
